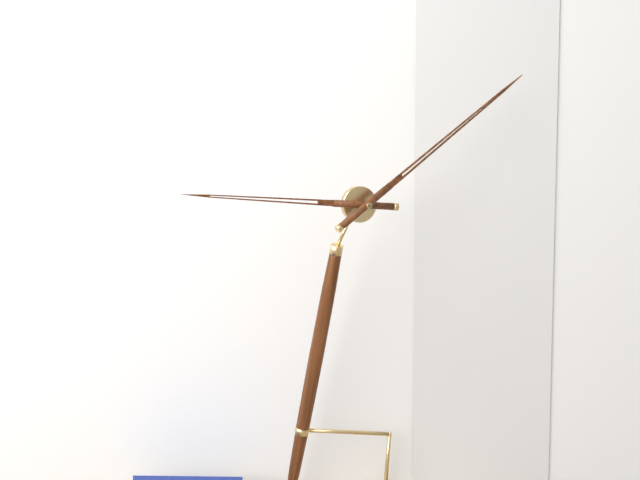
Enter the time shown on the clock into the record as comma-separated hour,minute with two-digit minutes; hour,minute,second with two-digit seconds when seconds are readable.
9,09
